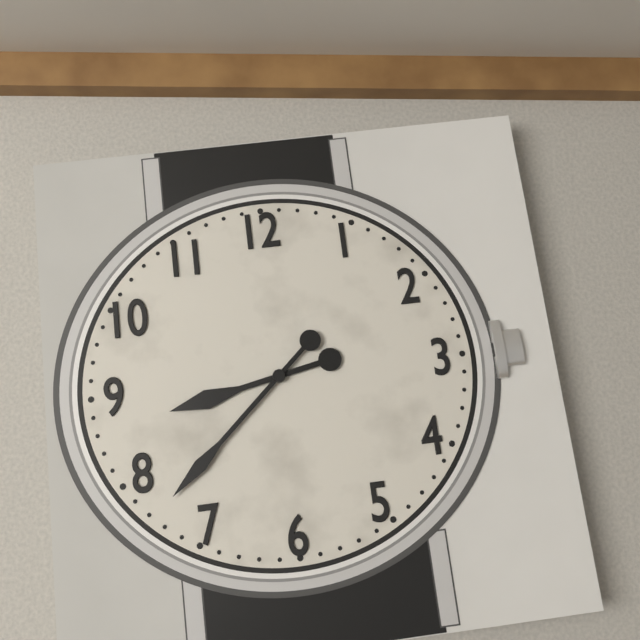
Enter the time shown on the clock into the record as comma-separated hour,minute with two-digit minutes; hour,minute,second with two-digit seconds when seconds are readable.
8,38
